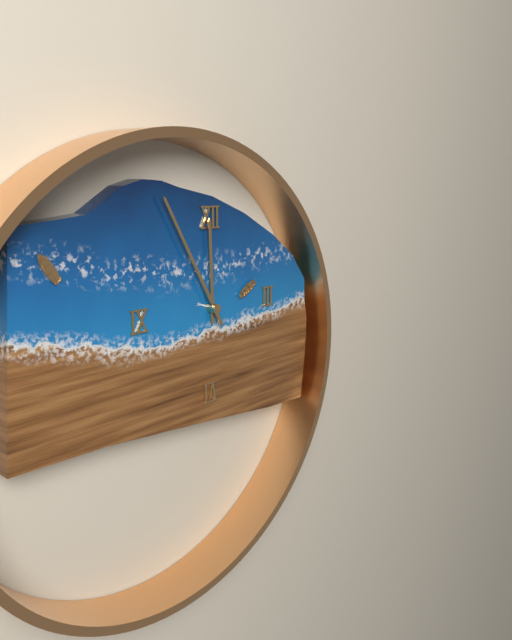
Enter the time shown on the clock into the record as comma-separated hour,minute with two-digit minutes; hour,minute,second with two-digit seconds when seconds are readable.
11,55
